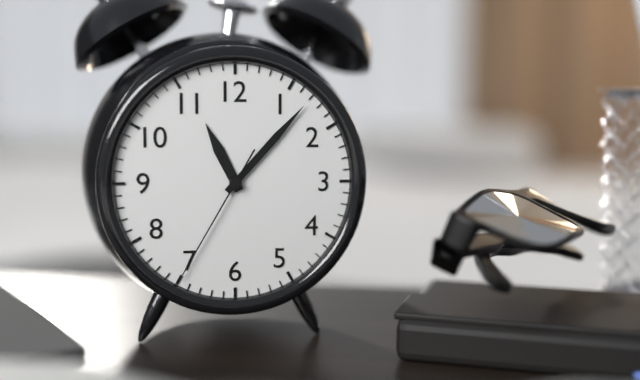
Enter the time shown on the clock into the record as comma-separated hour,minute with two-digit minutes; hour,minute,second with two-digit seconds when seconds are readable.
11,07,35
